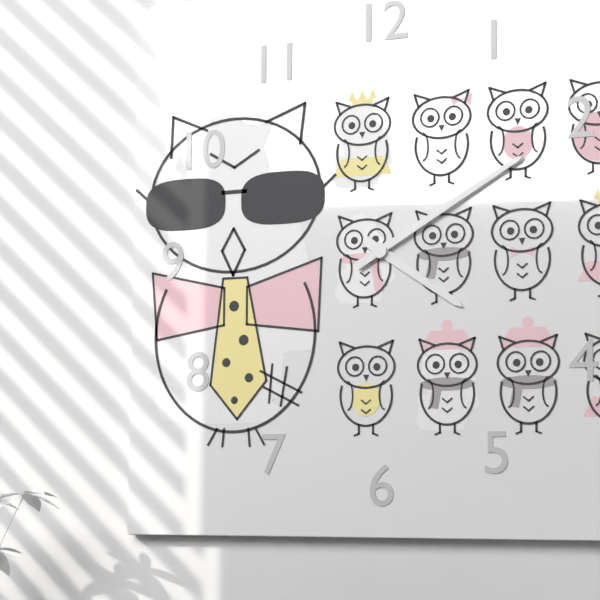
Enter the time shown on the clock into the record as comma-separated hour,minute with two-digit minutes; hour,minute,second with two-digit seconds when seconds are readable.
4,10
